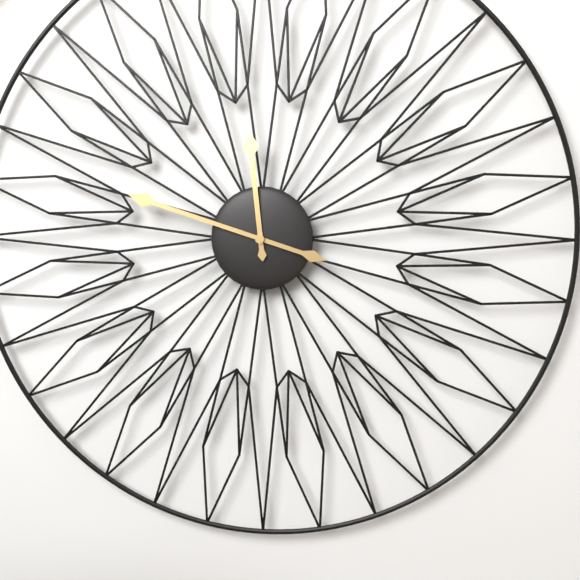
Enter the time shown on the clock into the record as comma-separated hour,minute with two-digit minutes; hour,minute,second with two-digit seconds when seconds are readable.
11,48
